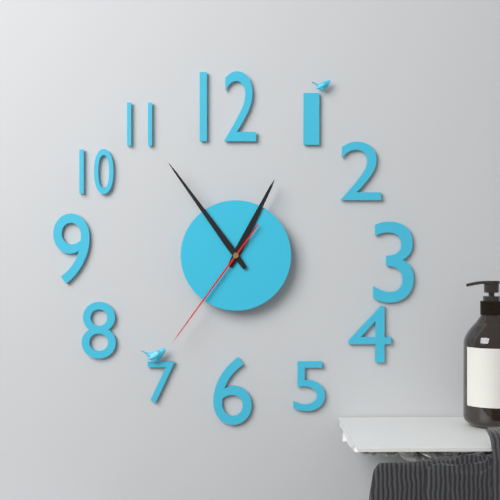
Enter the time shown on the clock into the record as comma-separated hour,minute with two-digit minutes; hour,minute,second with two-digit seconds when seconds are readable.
12,54,36
